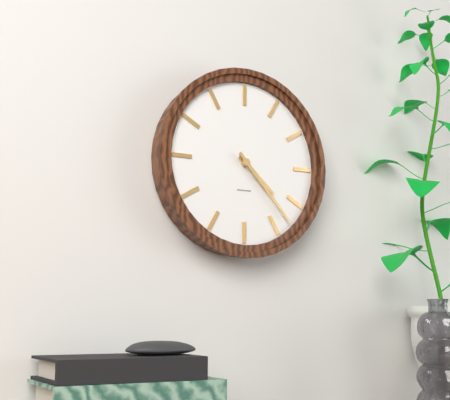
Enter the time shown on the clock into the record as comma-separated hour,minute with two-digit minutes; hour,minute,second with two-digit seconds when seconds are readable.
4,23
